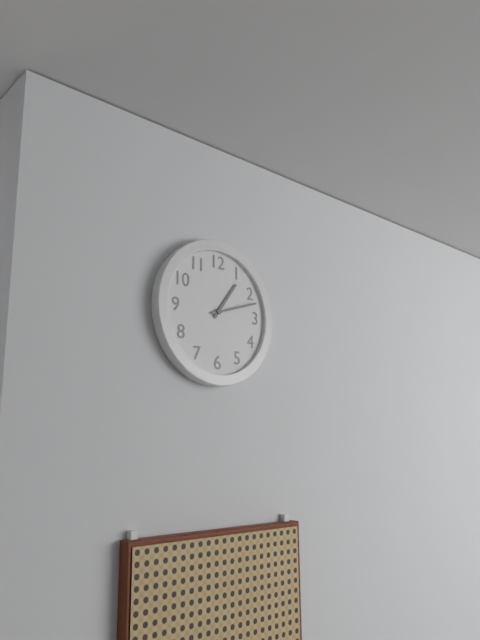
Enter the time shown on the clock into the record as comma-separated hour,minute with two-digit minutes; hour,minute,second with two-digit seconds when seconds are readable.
1,12
